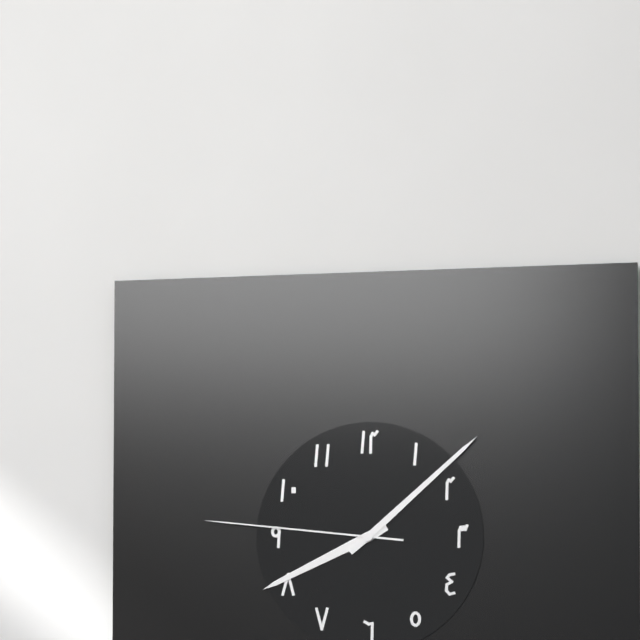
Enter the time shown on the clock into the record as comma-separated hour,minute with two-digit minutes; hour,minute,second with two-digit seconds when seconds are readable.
8,08,46
